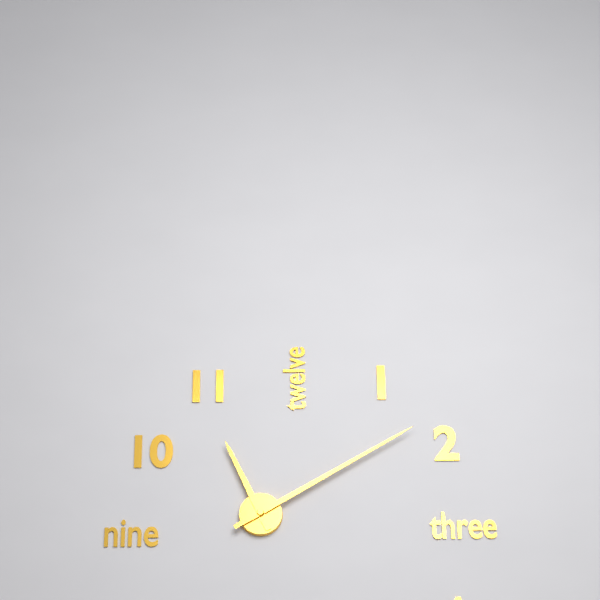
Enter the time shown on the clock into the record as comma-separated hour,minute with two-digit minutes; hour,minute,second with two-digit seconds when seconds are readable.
11,10
